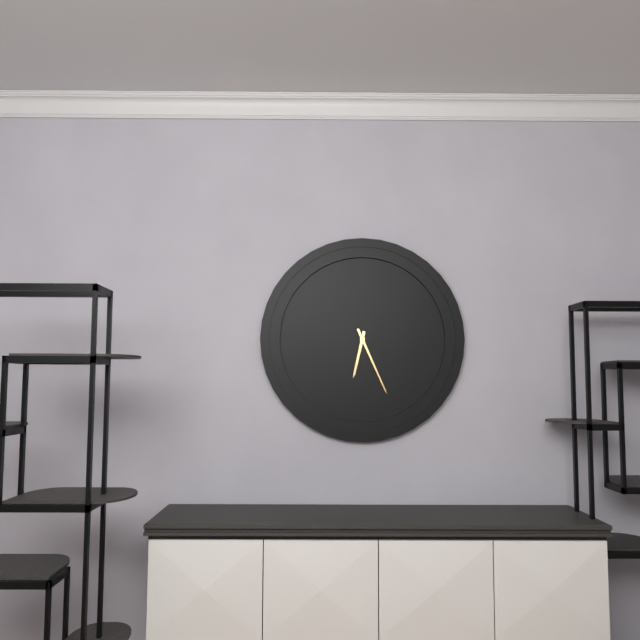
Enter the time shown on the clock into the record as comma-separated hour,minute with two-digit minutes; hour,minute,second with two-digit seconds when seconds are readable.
6,26
